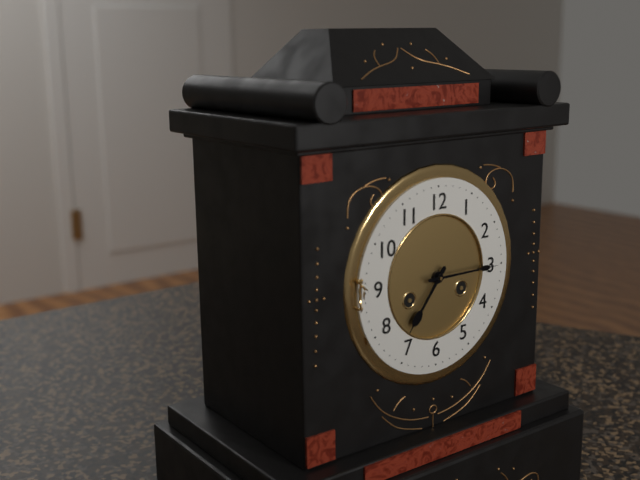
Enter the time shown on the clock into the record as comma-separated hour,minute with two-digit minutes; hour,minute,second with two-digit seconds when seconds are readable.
7,15
